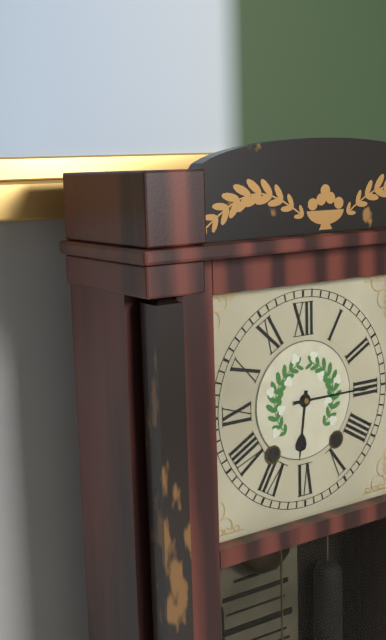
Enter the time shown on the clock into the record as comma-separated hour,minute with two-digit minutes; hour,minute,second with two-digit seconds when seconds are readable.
6,15
